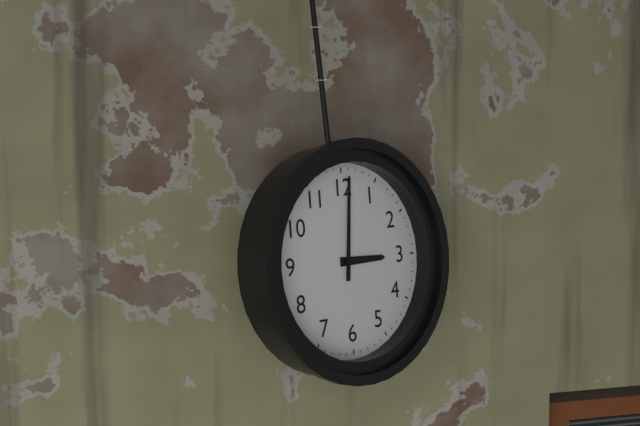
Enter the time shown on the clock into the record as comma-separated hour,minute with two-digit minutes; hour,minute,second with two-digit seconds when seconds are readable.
3,01
